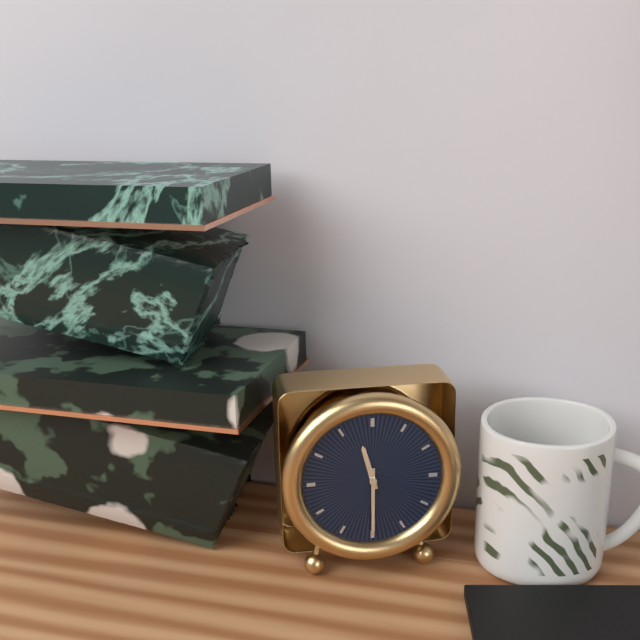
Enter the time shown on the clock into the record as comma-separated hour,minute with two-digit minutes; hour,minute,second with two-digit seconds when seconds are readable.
11,30
